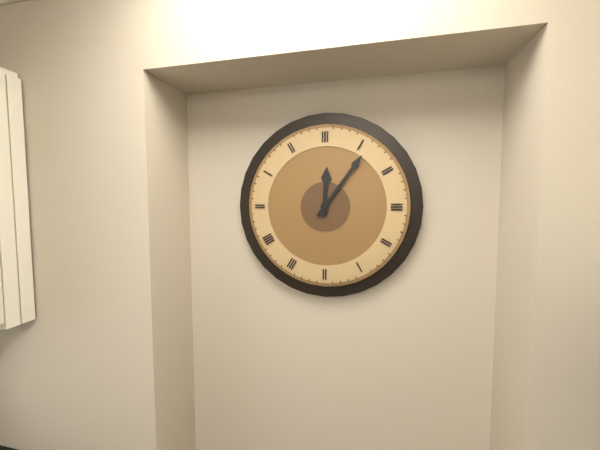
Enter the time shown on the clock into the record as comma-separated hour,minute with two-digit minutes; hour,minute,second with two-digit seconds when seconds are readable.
12,06
